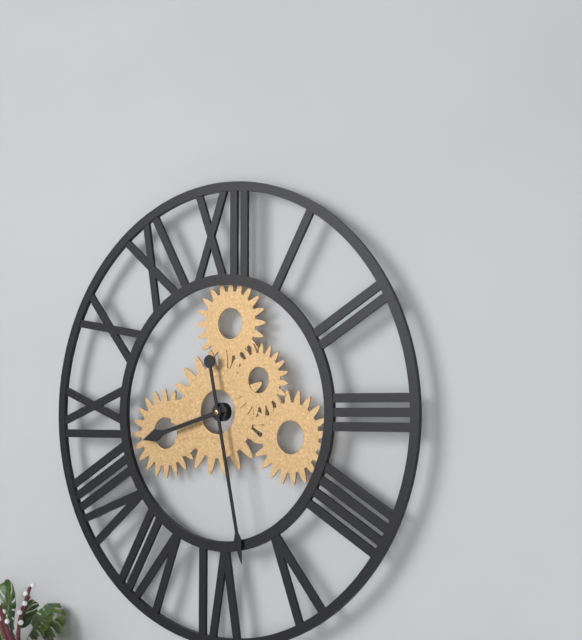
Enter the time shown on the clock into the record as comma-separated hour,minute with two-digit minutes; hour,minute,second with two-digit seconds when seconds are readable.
8,28
